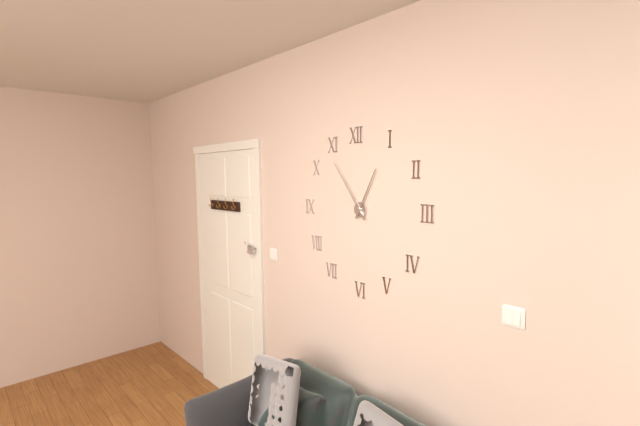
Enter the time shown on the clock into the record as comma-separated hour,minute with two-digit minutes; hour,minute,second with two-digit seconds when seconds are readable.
12,54
